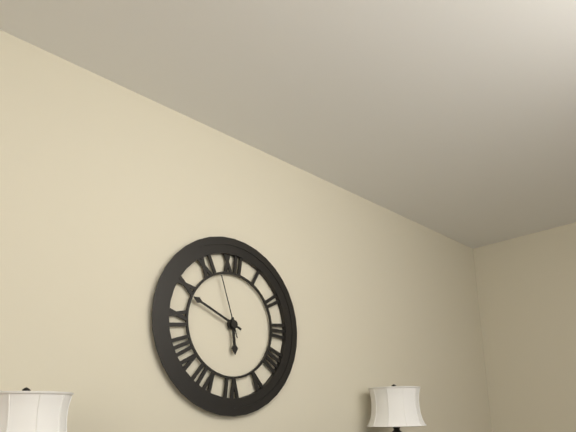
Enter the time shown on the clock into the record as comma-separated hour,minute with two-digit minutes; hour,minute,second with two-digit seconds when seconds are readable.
5,49,57
